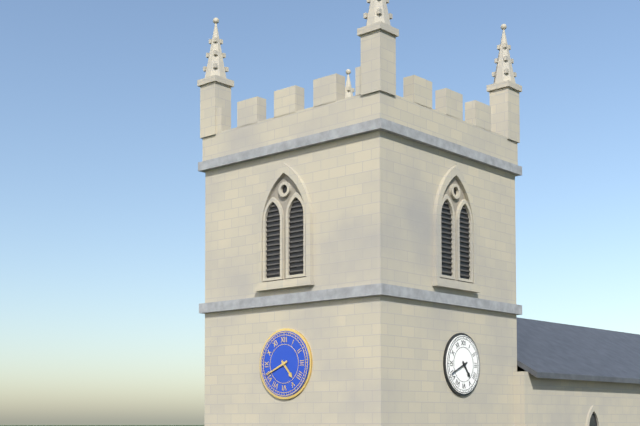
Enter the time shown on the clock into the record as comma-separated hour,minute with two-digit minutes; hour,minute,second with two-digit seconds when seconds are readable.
4,41
